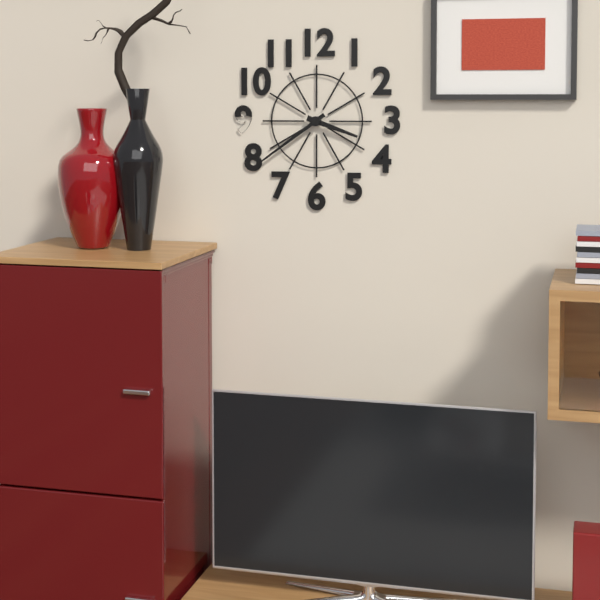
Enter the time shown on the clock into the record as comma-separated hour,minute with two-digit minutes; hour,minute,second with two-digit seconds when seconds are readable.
3,39
